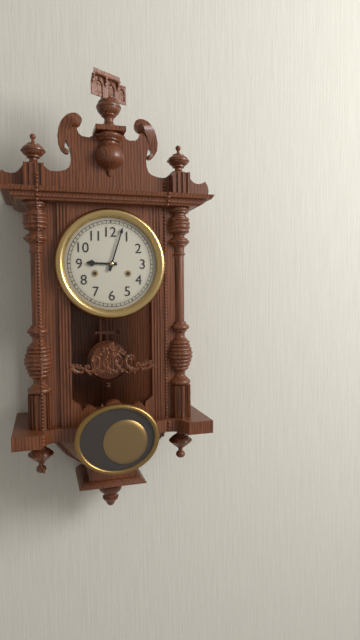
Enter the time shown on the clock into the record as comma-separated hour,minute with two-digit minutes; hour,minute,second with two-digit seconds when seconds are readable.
9,03
